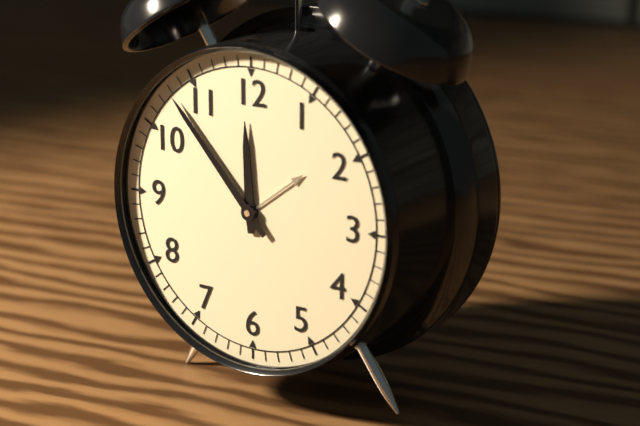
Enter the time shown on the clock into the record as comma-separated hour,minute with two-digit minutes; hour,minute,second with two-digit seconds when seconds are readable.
11,53
